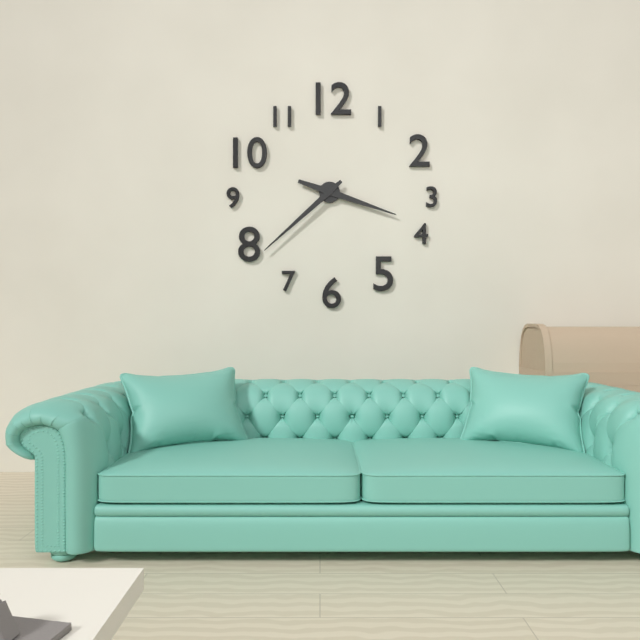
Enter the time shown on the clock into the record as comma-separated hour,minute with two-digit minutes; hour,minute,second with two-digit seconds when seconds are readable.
3,38
